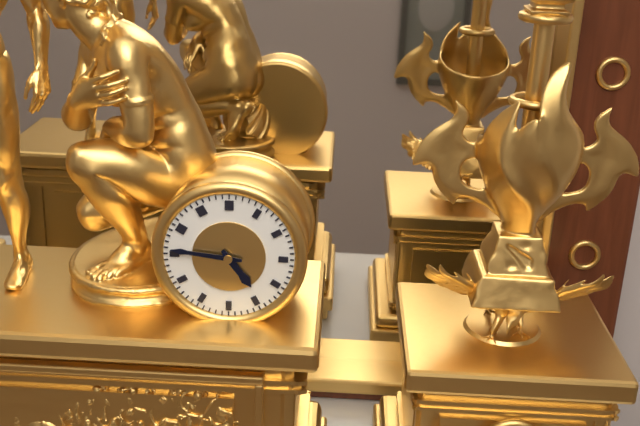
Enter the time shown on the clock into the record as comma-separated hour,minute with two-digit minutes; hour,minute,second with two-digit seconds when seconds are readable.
4,46
